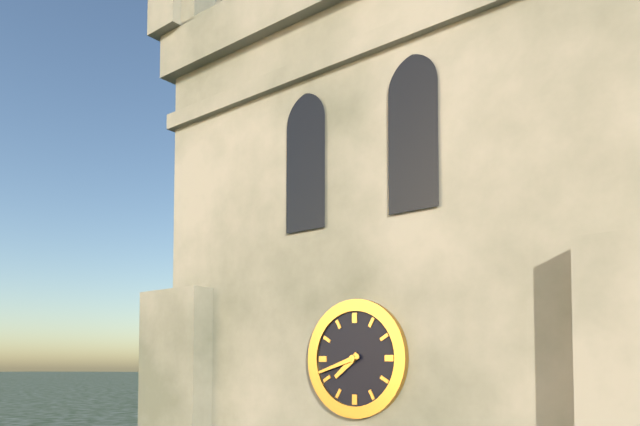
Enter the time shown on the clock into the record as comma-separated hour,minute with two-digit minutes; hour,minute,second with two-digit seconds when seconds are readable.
7,42
